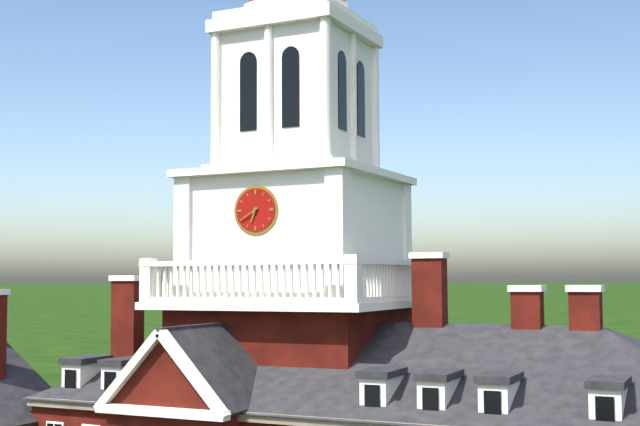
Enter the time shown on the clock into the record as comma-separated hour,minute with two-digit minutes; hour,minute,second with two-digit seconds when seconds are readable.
6,40
